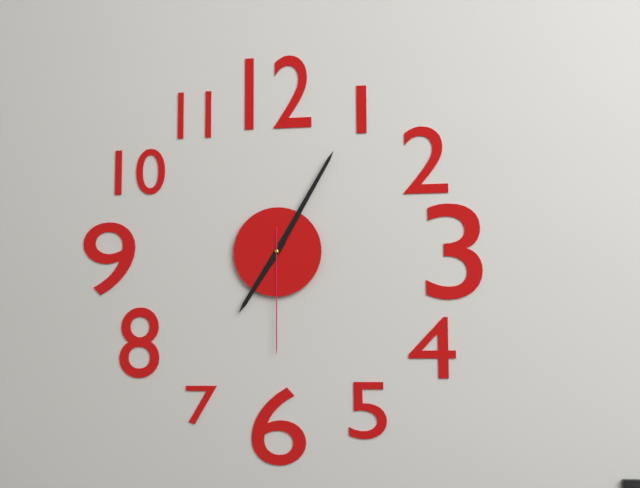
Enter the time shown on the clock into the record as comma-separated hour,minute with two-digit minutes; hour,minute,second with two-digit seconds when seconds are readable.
7,05,30
